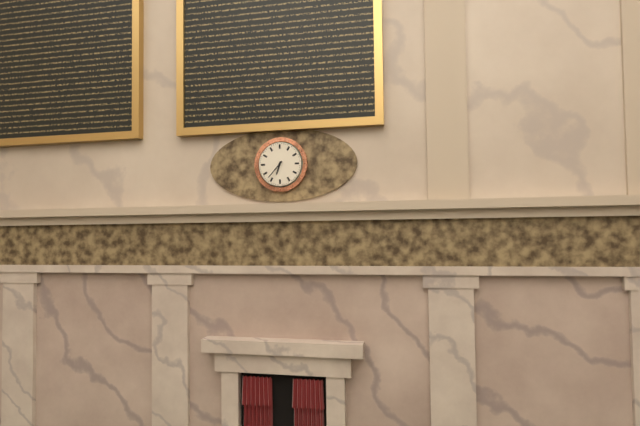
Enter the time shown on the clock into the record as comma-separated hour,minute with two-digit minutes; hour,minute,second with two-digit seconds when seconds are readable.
6,37
